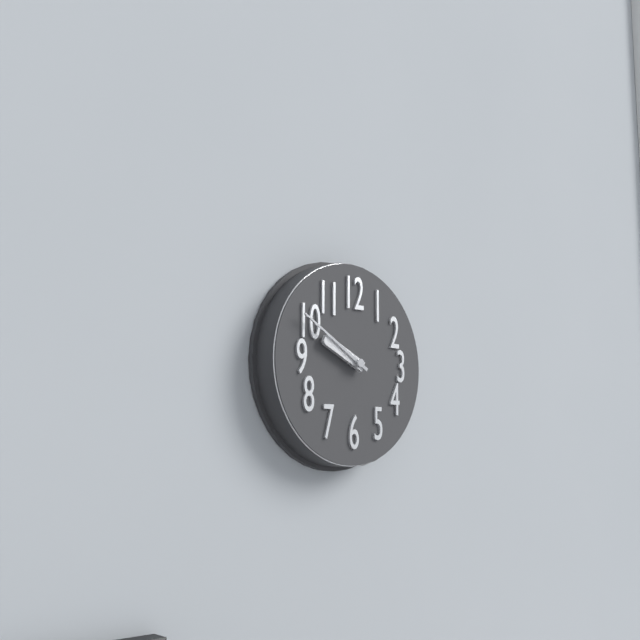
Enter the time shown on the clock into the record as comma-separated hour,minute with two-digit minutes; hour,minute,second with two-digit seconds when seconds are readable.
9,50
